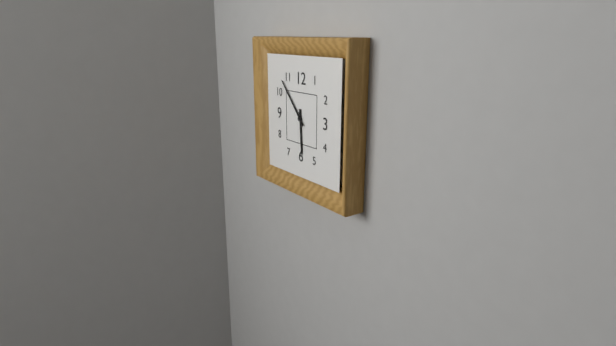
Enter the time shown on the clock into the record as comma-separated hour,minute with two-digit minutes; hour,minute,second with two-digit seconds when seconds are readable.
5,53
